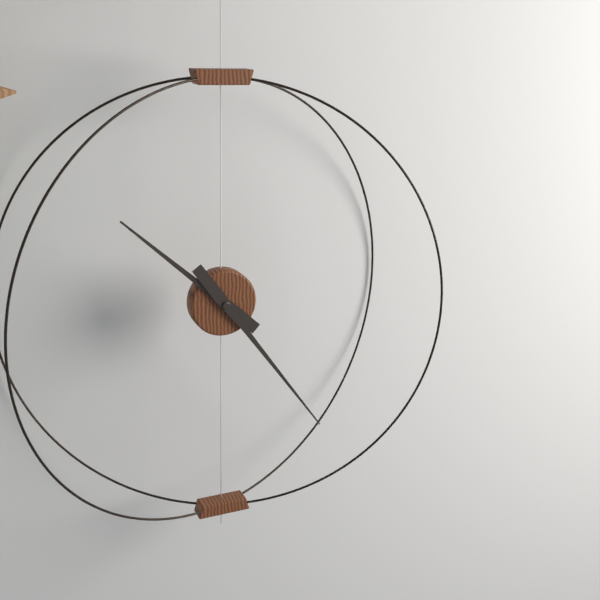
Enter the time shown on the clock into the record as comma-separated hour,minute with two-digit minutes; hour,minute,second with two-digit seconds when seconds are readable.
10,24
